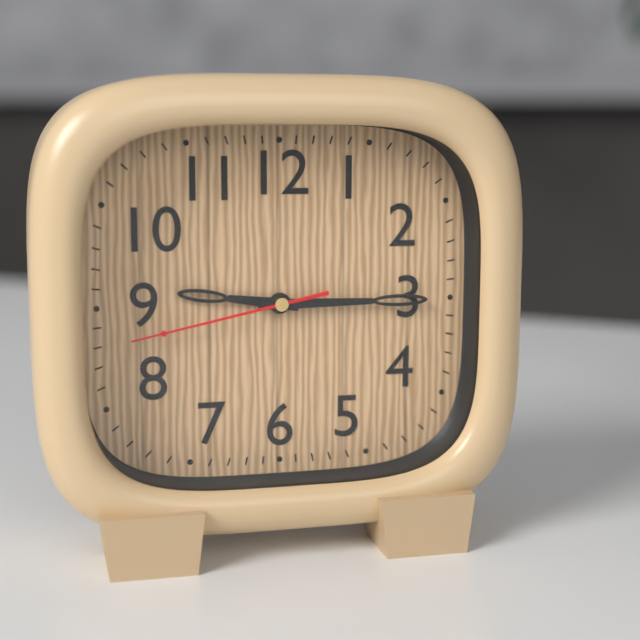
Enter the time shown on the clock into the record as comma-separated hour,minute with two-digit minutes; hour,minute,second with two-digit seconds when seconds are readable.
9,15,43
